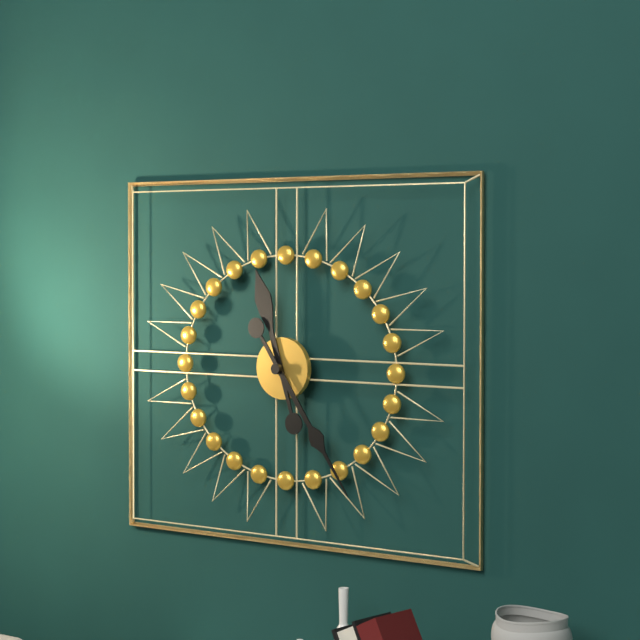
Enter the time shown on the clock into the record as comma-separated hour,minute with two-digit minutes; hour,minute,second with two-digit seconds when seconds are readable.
11,24
